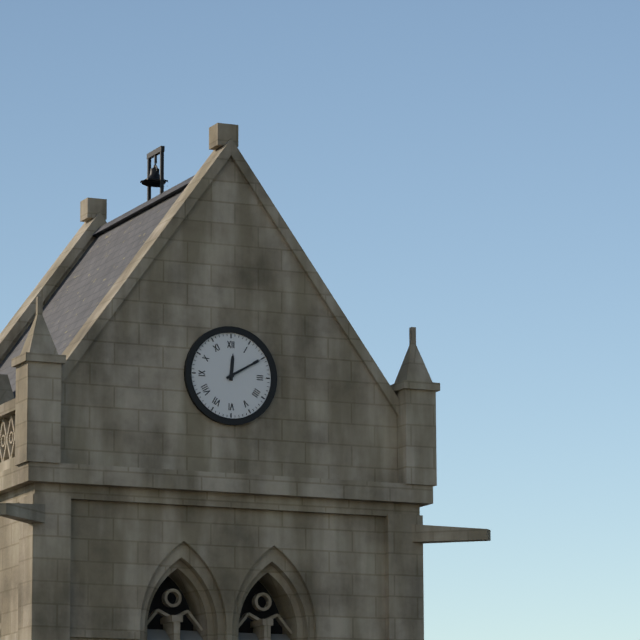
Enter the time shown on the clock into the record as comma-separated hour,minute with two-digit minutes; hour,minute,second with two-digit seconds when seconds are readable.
12,10
